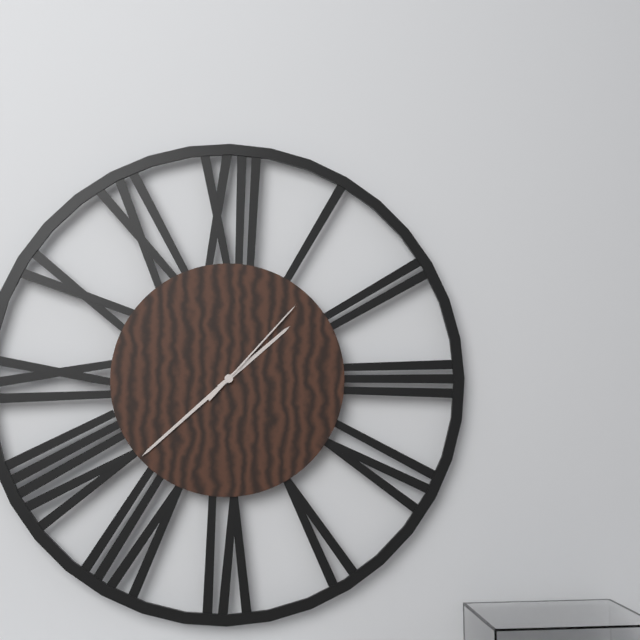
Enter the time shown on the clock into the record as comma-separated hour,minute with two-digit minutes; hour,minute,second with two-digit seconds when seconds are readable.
1,38,07
